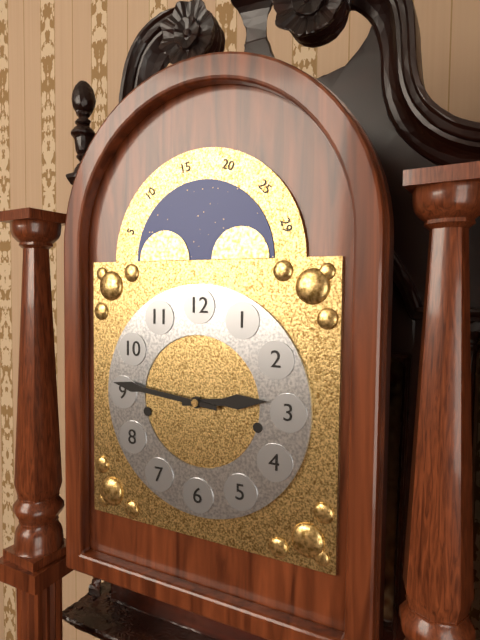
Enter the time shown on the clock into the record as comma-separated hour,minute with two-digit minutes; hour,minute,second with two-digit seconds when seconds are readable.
2,46
